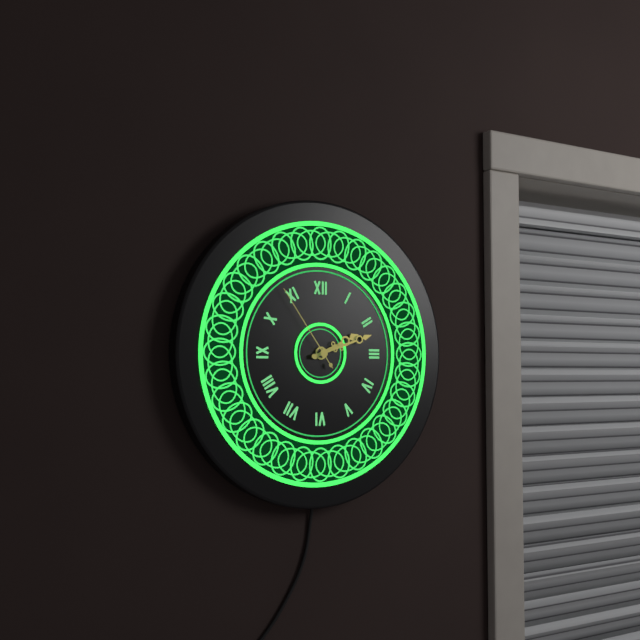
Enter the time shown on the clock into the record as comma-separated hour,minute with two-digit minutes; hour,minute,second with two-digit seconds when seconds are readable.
2,12,54
